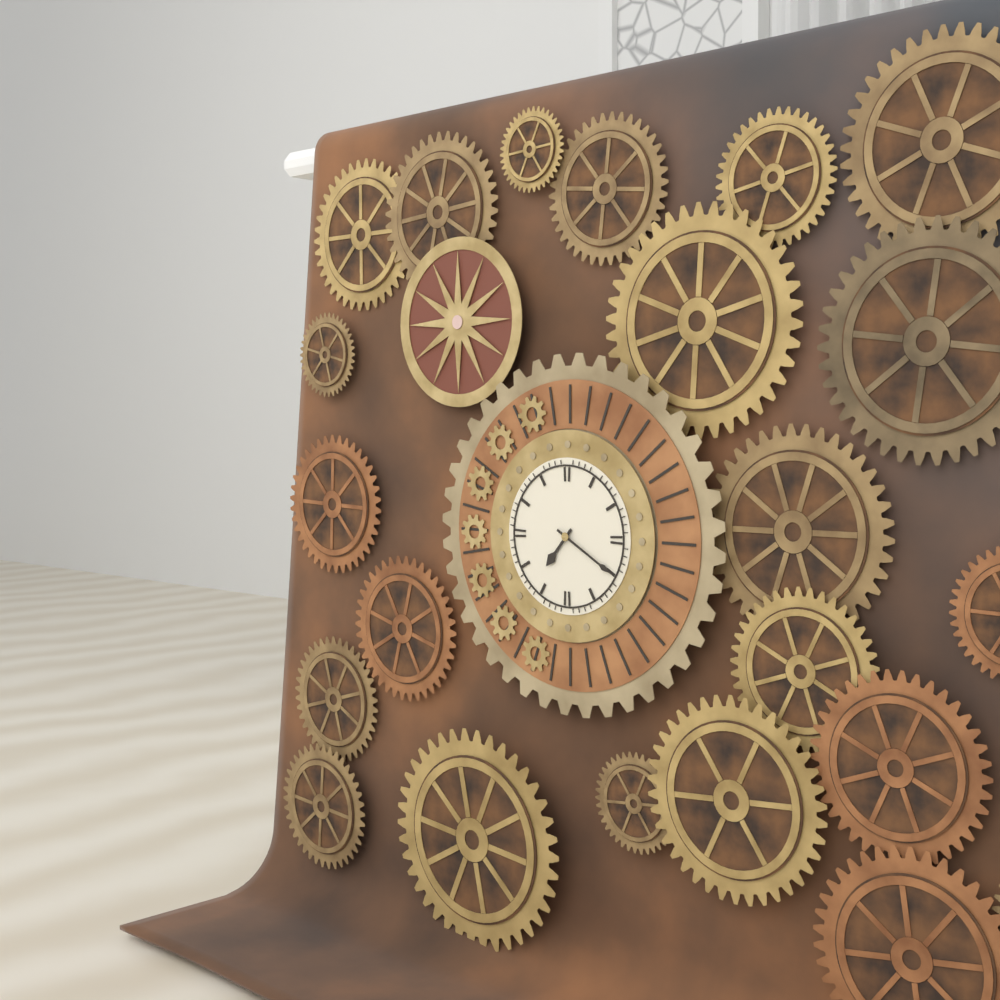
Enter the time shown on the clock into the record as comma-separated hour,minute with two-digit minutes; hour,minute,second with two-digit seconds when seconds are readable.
7,20
